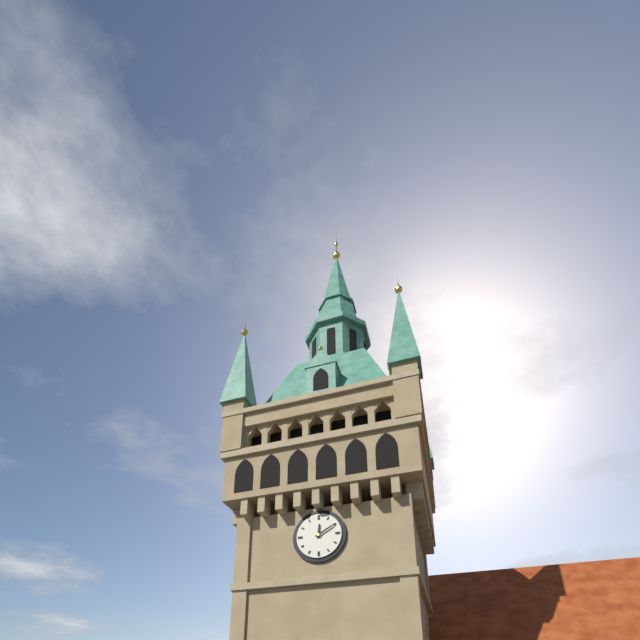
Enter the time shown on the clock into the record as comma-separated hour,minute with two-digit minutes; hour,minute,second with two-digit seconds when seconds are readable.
12,10
